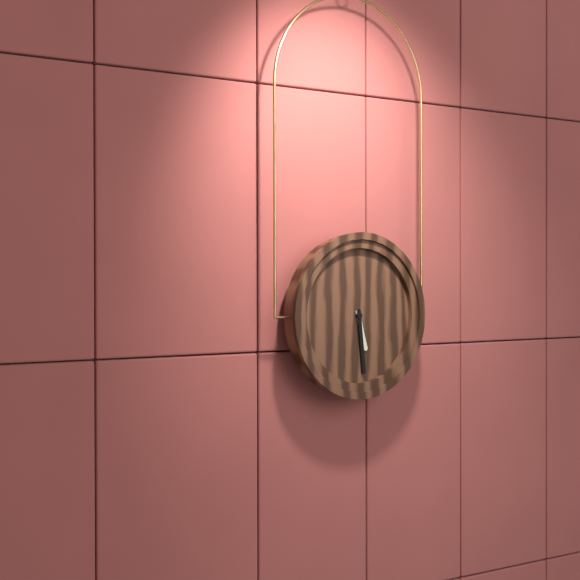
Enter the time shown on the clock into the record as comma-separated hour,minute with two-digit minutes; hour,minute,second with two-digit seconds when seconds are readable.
5,29
